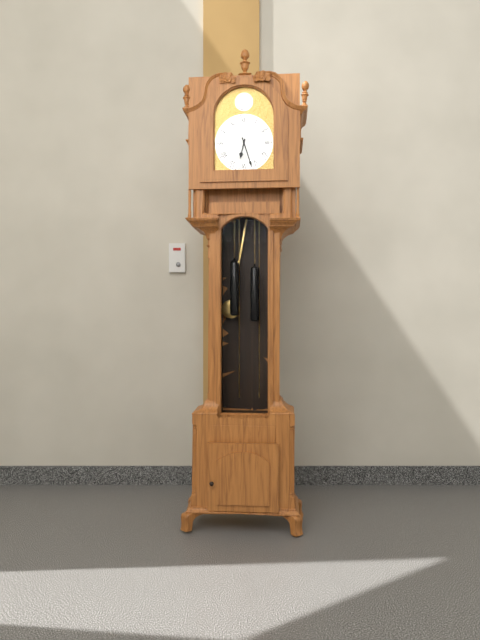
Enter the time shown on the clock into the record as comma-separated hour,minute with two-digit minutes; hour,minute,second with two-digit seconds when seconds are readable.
6,27
